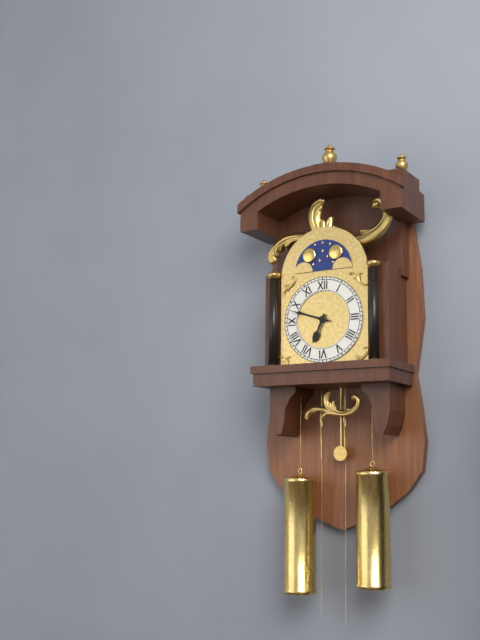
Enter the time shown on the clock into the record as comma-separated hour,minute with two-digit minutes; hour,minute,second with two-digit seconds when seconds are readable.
6,48
